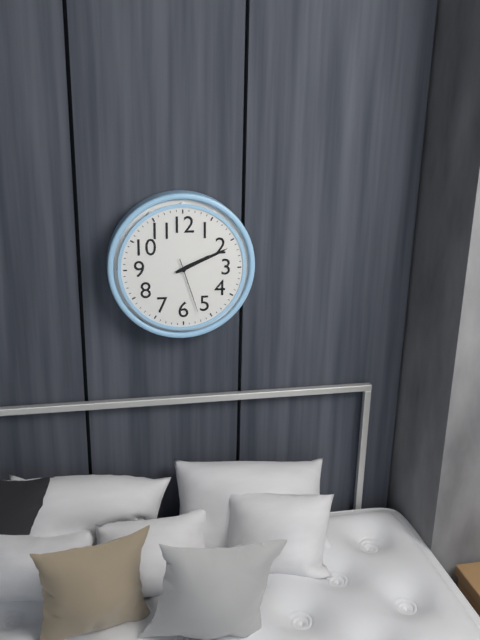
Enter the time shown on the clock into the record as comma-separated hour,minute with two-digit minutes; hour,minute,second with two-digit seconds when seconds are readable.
2,11,27
